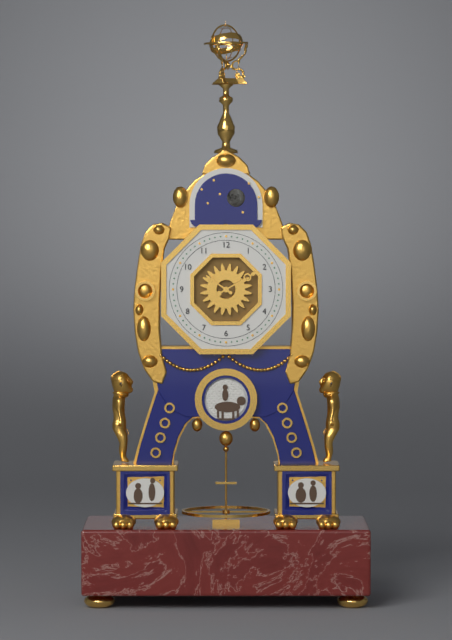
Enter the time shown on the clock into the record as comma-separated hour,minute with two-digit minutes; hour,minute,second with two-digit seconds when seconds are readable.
10,10
